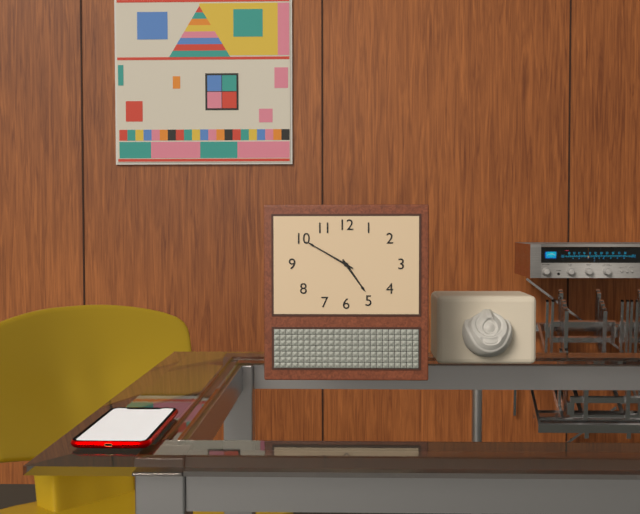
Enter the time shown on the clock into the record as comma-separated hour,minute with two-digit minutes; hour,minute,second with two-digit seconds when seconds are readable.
4,50
